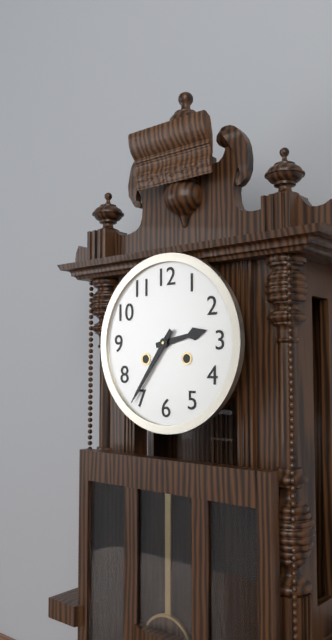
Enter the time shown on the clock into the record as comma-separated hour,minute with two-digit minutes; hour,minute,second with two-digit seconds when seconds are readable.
2,36
